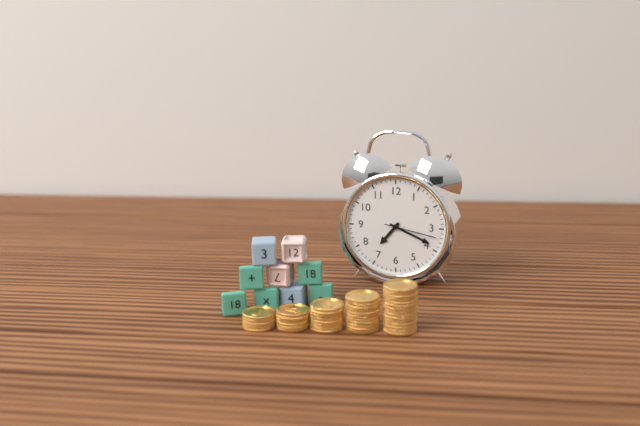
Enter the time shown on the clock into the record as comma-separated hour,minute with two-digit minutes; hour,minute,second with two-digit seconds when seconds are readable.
7,19,17
